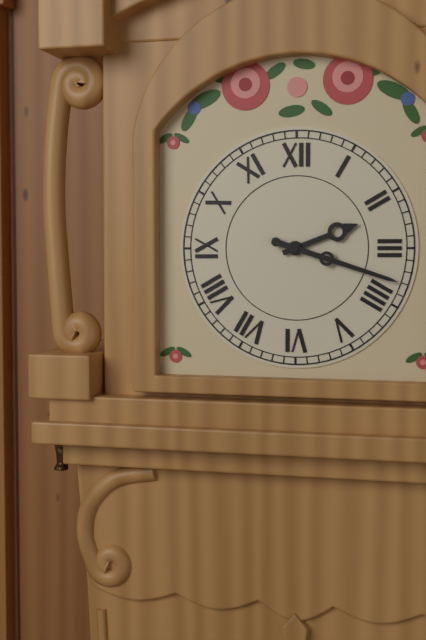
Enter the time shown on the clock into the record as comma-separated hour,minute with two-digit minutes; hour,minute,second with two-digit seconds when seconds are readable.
2,18
